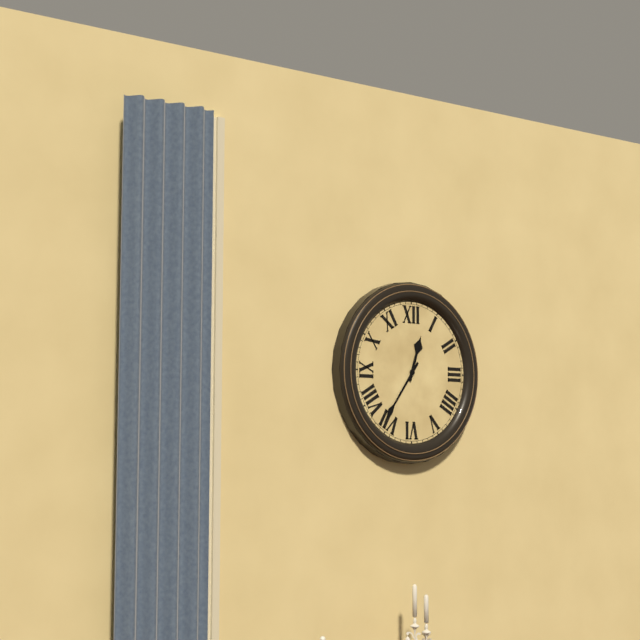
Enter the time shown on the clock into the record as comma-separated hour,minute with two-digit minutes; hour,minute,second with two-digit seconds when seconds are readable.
12,36
